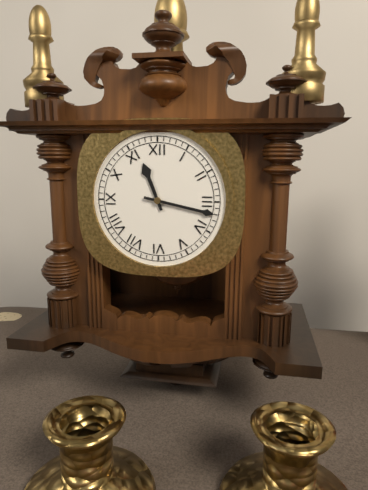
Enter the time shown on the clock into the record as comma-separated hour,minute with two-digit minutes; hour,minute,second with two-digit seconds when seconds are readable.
11,17
